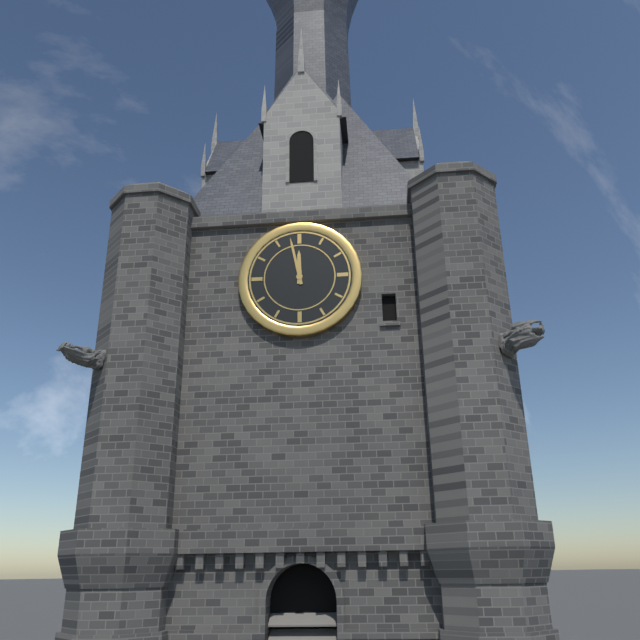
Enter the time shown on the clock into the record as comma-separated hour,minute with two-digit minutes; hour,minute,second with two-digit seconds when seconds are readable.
11,58
